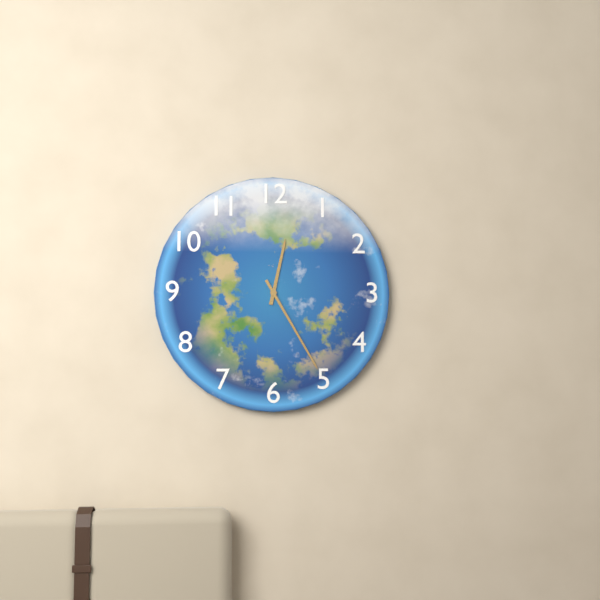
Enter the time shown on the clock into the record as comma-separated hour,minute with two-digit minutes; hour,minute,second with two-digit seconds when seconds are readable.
12,25
